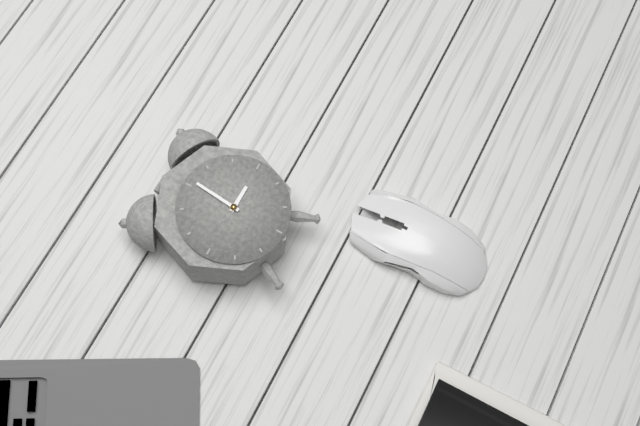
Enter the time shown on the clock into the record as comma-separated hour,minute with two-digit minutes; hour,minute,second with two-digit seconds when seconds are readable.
3,01
